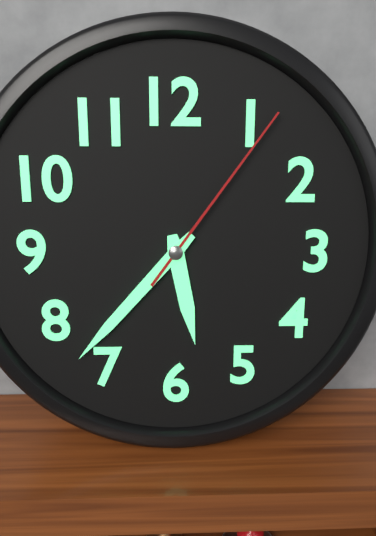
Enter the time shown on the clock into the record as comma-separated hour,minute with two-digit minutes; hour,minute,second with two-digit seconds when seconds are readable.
5,37,06
